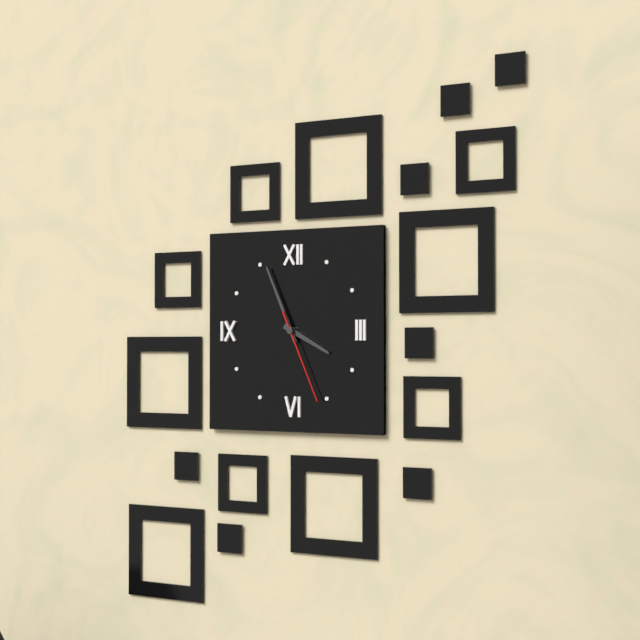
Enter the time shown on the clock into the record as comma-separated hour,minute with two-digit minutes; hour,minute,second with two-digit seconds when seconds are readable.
3,56,26
